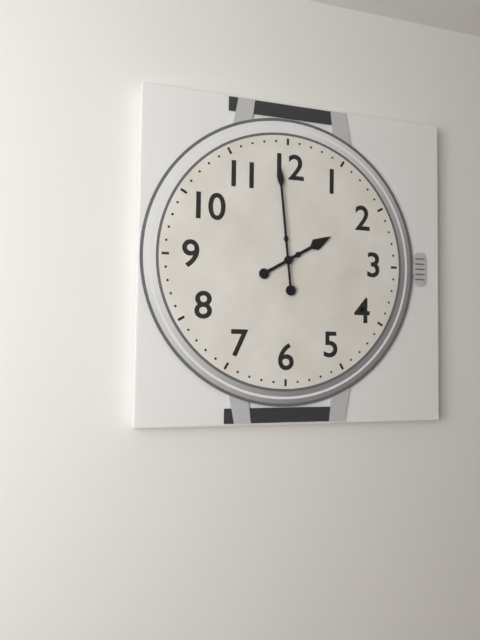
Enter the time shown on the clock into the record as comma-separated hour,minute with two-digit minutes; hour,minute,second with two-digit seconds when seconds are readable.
1,59
